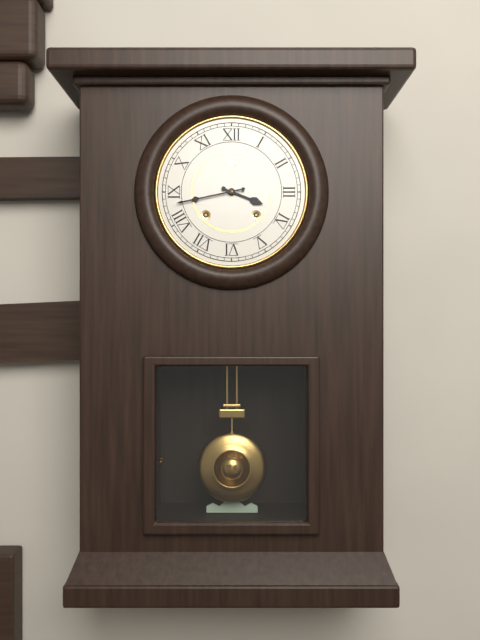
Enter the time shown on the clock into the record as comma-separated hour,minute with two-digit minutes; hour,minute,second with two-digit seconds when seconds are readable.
3,43
